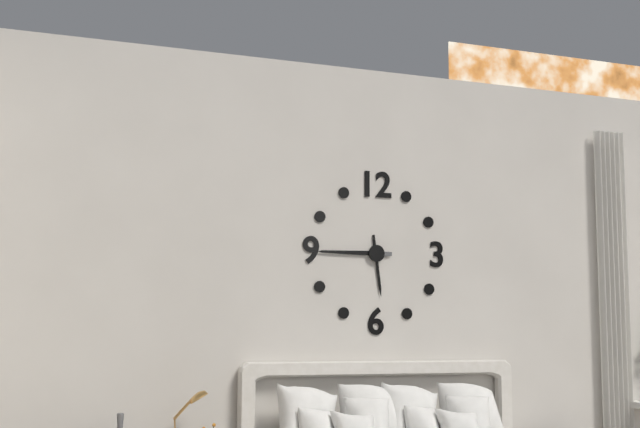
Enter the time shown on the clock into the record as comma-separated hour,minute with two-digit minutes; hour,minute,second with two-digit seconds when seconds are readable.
5,45
